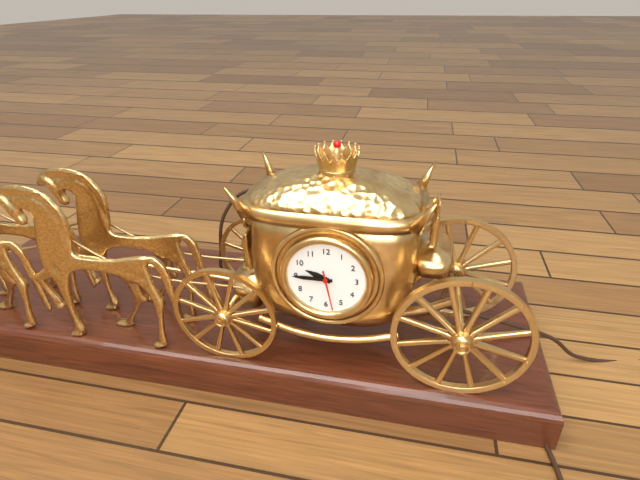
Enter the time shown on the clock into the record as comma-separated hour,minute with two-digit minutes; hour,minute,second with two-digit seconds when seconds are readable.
9,45
